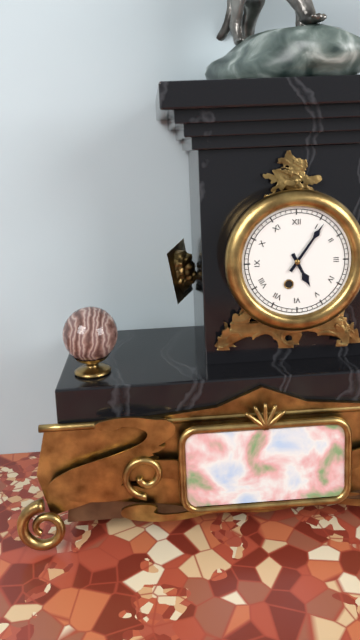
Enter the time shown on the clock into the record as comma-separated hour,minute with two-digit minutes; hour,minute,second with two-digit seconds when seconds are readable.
5,06
